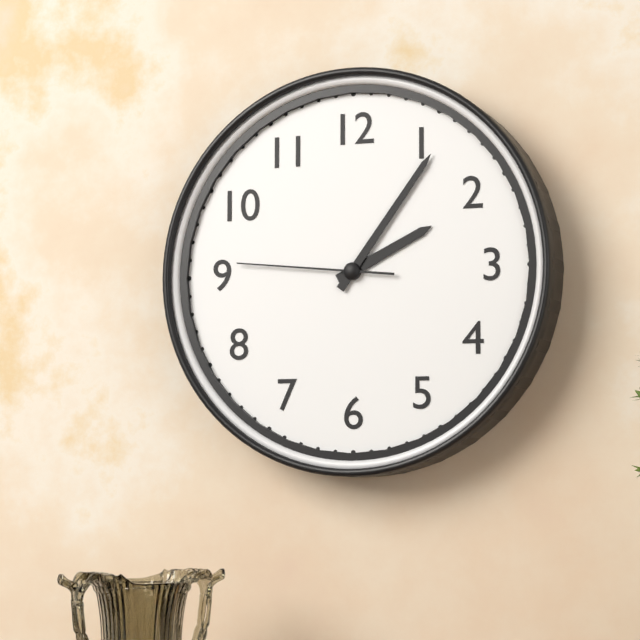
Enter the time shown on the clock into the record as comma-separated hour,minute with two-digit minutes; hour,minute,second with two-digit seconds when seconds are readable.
2,06,46
